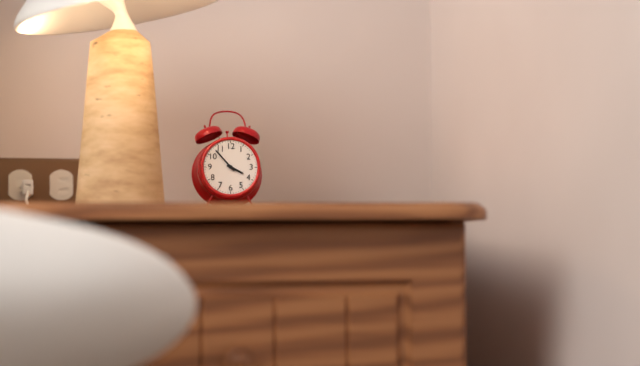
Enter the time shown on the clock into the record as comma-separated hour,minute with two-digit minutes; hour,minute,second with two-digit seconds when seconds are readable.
3,53
